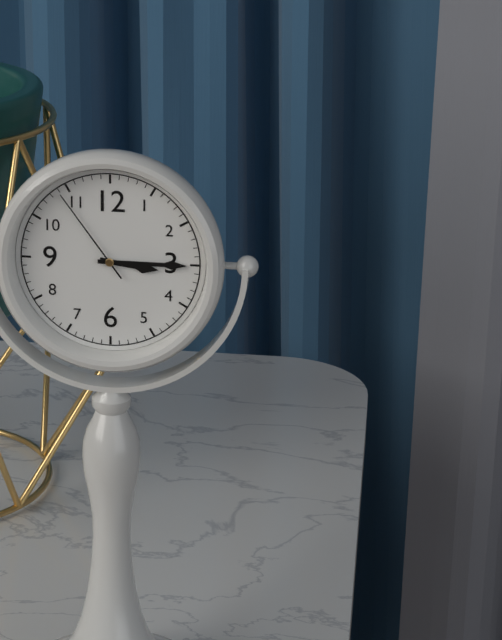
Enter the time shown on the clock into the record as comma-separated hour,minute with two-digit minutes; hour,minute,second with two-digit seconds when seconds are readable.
3,15,54
